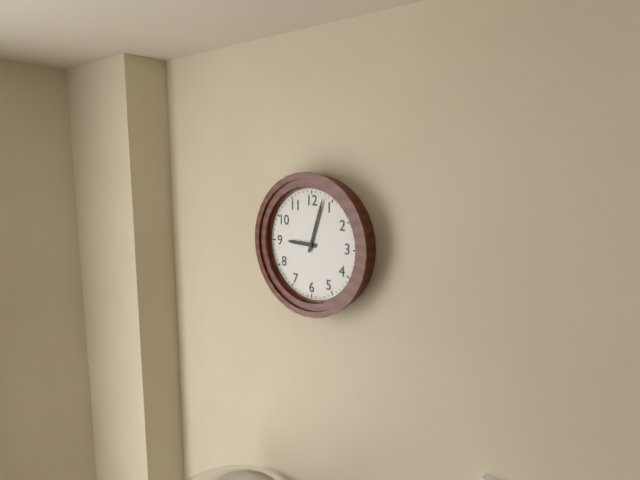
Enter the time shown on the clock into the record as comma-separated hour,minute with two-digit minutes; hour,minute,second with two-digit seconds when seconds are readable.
9,03
